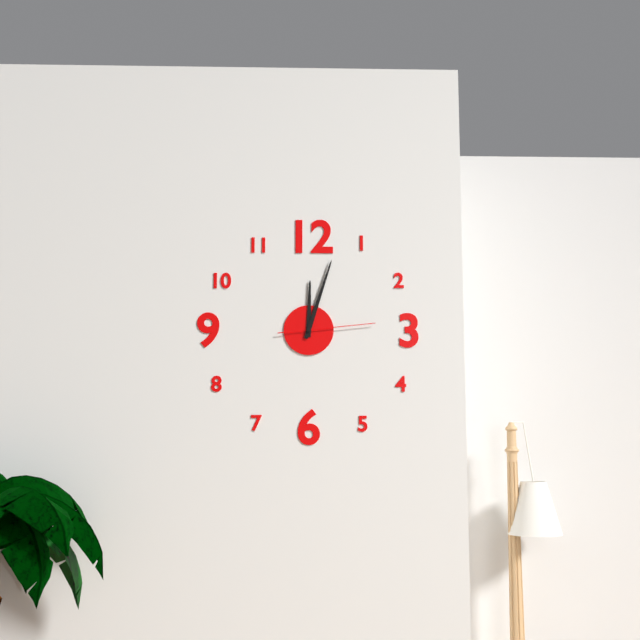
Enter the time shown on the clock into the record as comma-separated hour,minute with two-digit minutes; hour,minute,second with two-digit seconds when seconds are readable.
12,03,14
